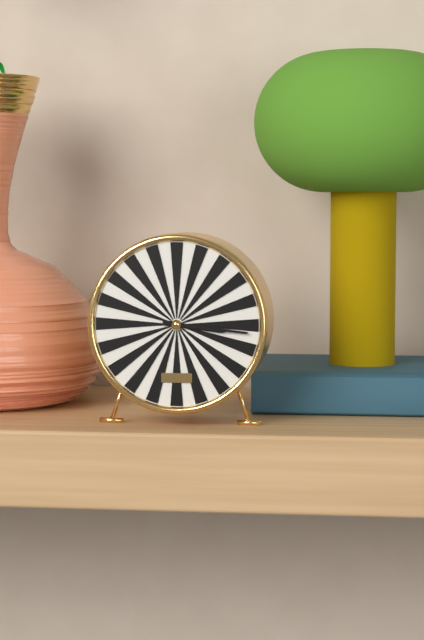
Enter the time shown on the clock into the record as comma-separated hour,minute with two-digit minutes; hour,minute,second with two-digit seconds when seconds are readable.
3,16
